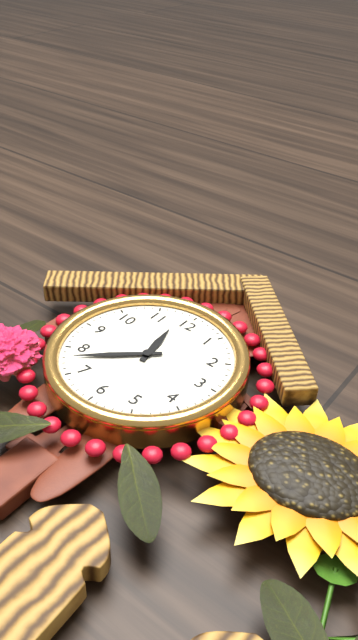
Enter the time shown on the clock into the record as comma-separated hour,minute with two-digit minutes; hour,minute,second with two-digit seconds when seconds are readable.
11,38
